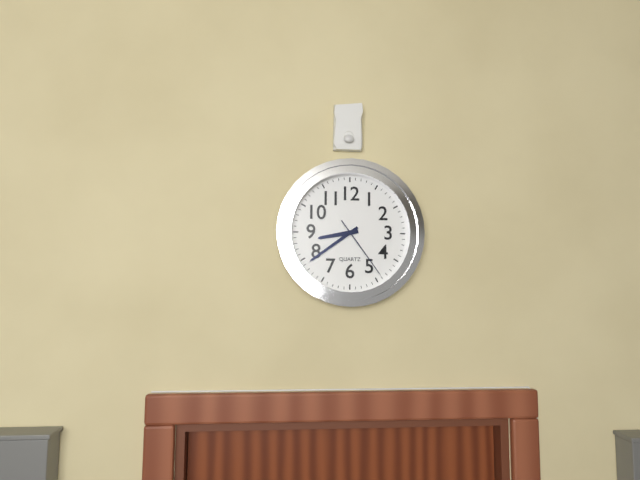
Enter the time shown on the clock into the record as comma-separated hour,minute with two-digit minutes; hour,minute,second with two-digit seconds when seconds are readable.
8,39,24
